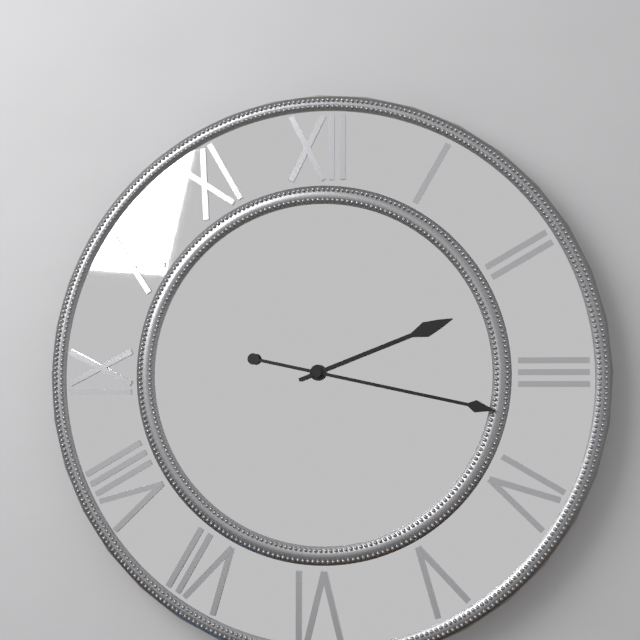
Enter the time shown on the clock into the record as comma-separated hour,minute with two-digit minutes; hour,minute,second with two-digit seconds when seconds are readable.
2,17
